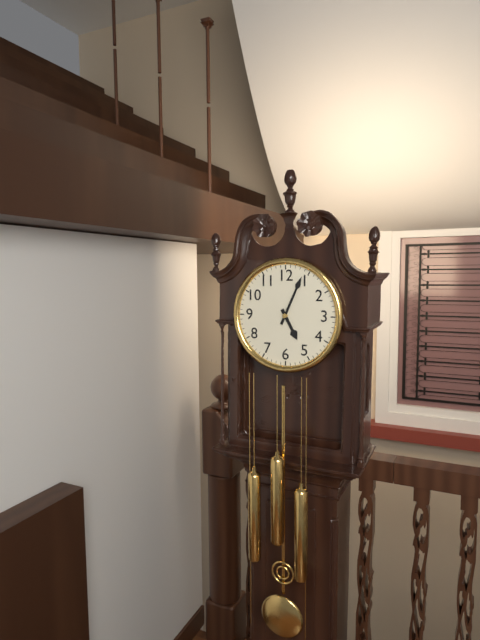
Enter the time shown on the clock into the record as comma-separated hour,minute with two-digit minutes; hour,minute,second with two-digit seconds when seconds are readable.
5,04
